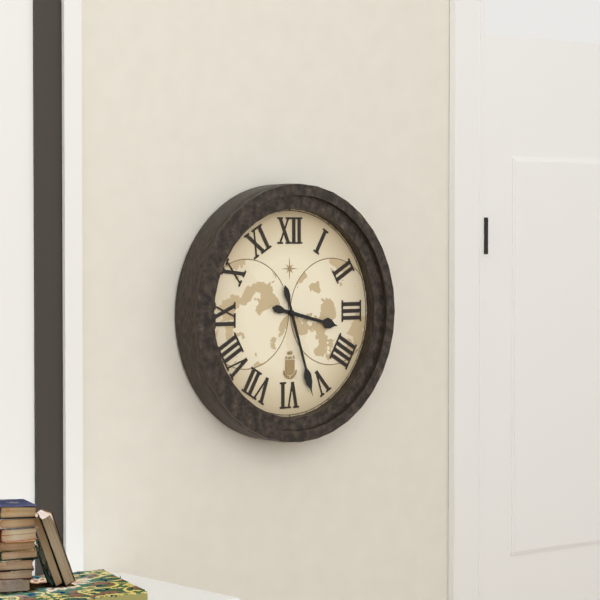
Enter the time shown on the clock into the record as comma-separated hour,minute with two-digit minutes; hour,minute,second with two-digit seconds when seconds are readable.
3,27
